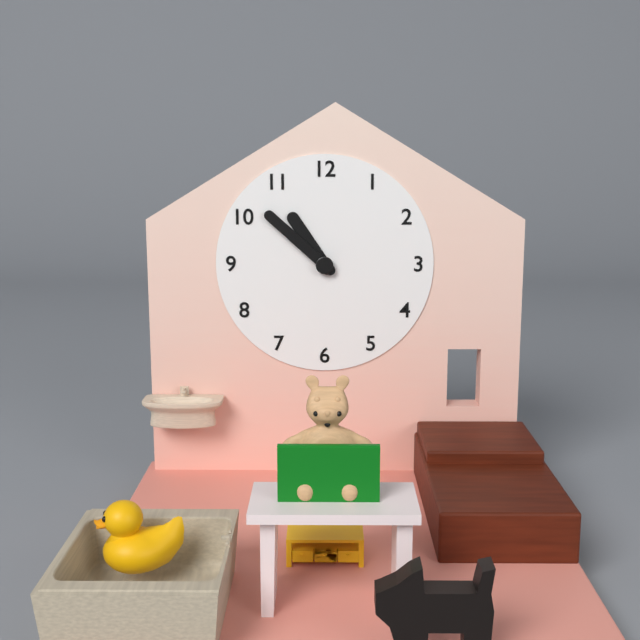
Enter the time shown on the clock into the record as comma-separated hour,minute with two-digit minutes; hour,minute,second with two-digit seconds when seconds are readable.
10,52
